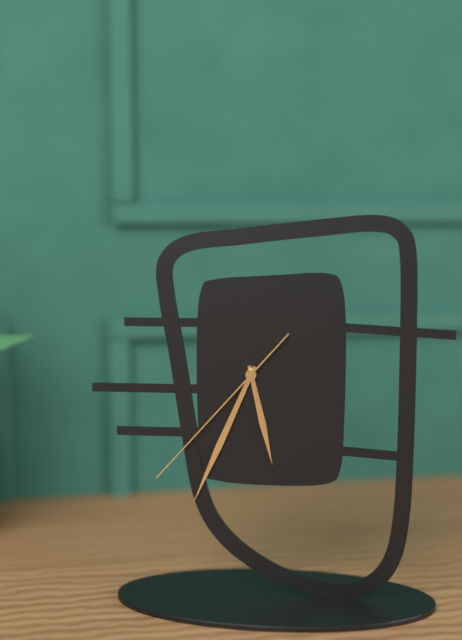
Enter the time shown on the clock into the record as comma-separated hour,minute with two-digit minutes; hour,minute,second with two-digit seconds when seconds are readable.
5,34,37
